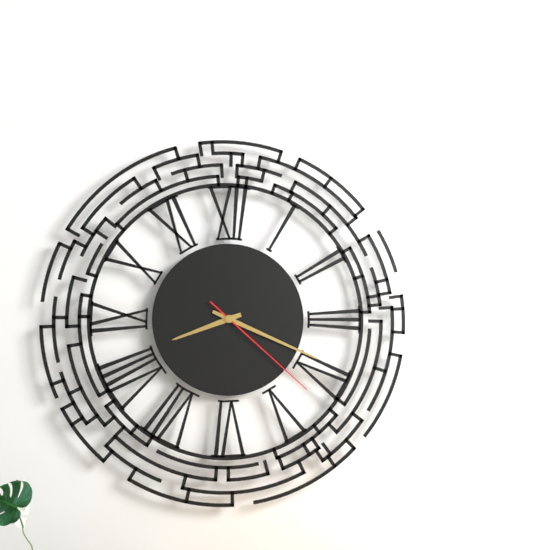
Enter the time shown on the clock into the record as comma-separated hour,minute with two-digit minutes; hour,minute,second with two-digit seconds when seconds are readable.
8,19,22
